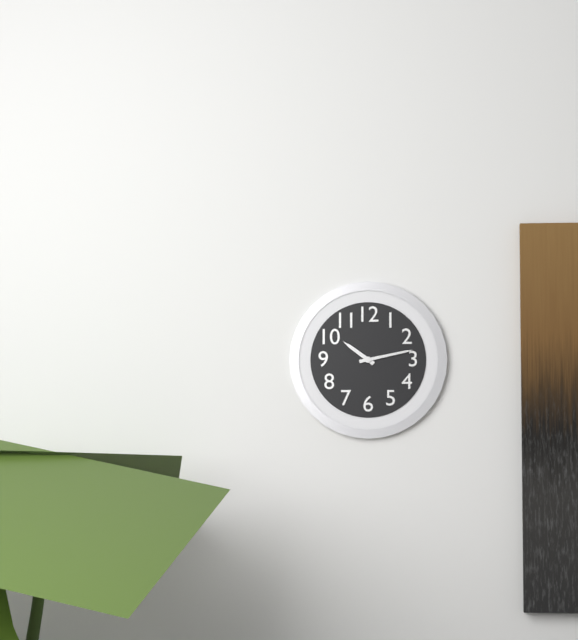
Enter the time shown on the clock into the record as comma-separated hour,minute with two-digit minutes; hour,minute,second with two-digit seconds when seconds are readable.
10,13
